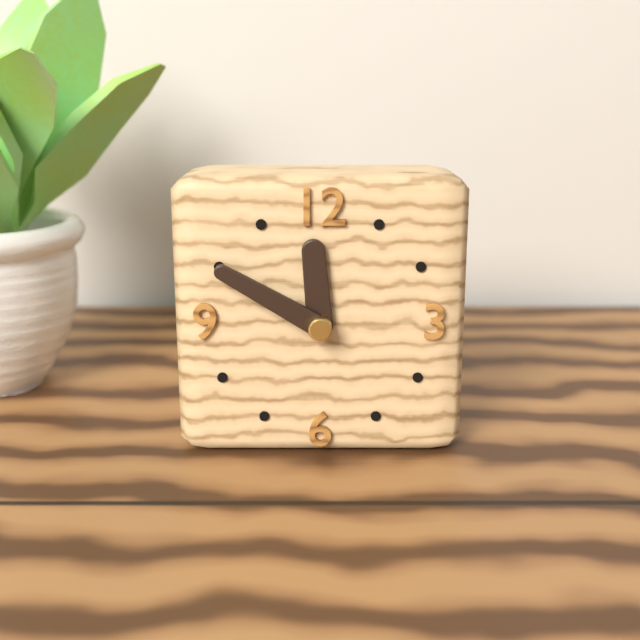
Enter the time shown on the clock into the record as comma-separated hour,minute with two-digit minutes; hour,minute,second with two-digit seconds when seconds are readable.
11,50
